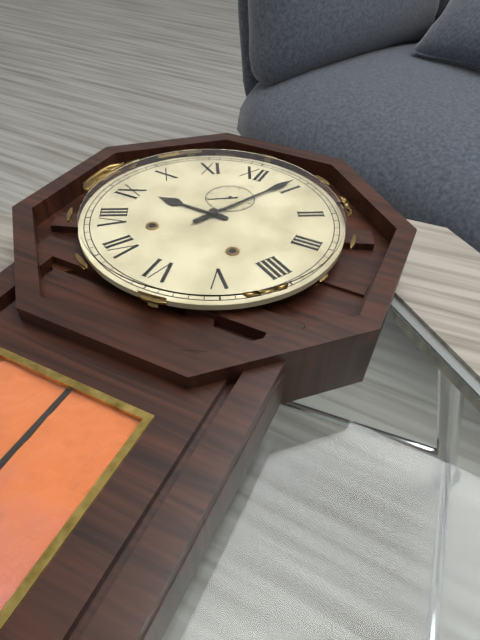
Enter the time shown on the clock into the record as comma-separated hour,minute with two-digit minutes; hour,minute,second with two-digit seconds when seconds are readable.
9,04,39
